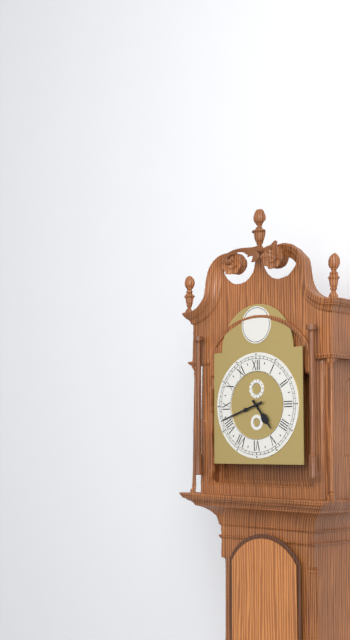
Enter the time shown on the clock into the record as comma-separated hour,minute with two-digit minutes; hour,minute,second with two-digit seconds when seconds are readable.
4,42
